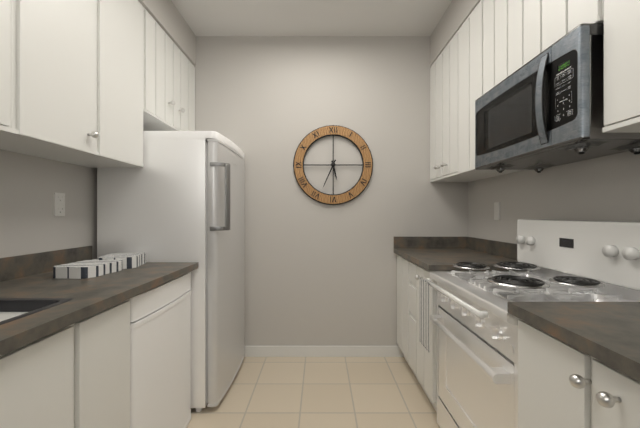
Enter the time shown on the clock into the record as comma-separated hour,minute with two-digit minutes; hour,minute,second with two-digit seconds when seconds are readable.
5,34
